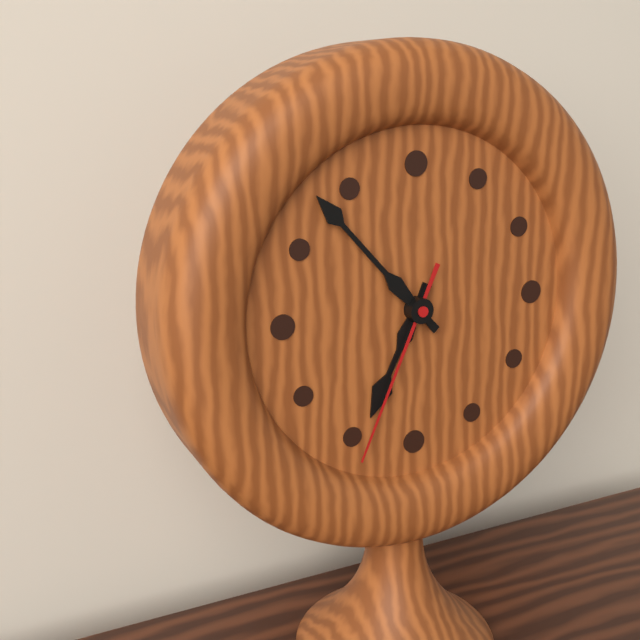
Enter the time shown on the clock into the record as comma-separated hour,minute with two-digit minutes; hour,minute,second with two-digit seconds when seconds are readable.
6,53,34
